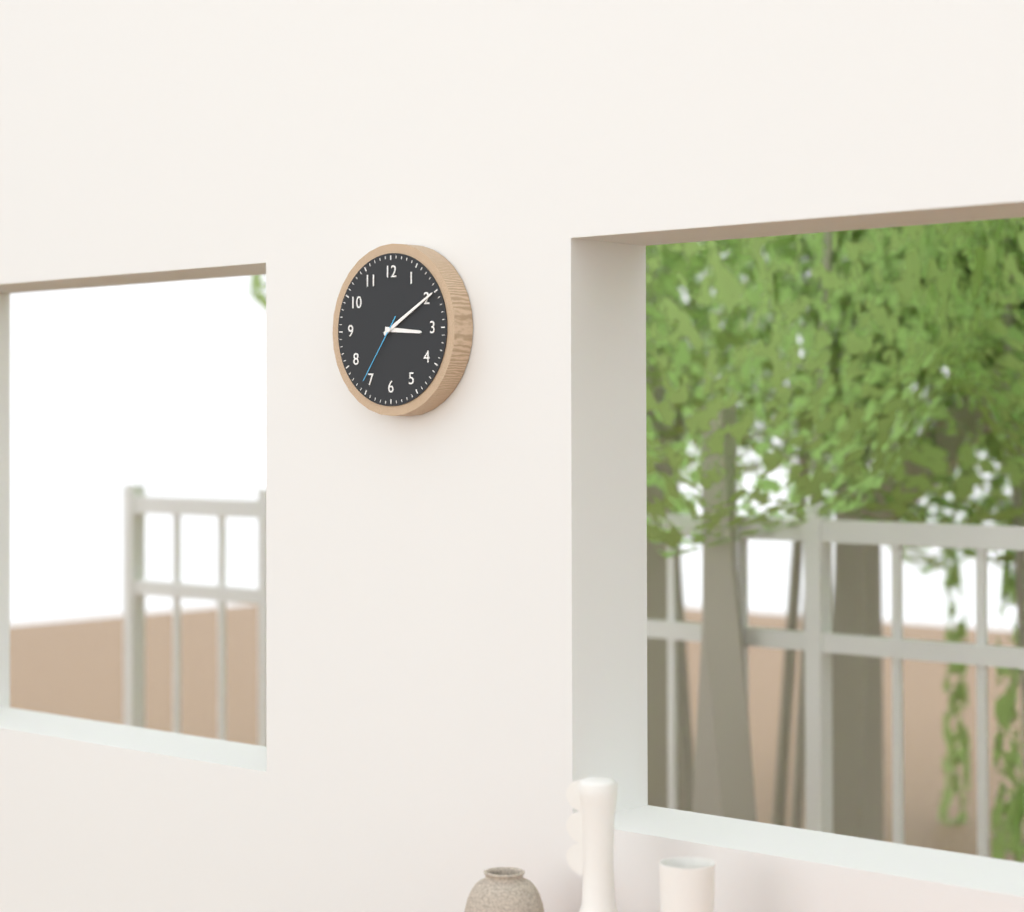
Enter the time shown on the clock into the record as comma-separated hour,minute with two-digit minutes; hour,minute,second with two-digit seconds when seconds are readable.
3,10,36
